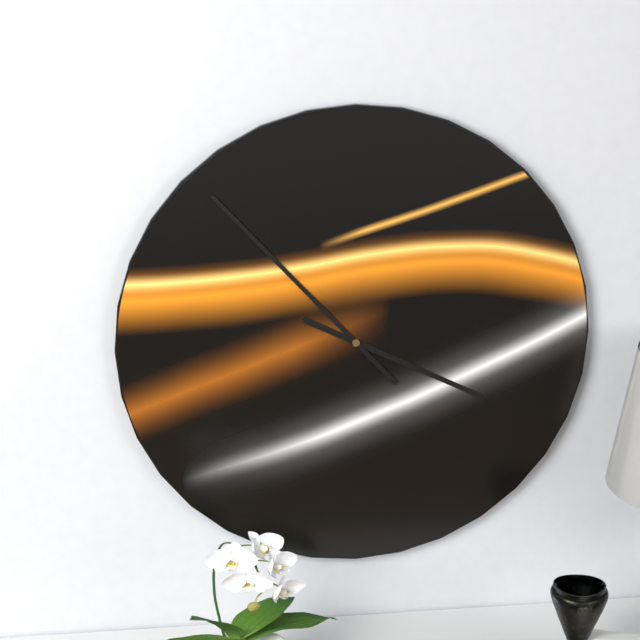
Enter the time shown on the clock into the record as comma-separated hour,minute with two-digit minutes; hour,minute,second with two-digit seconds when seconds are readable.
3,53
